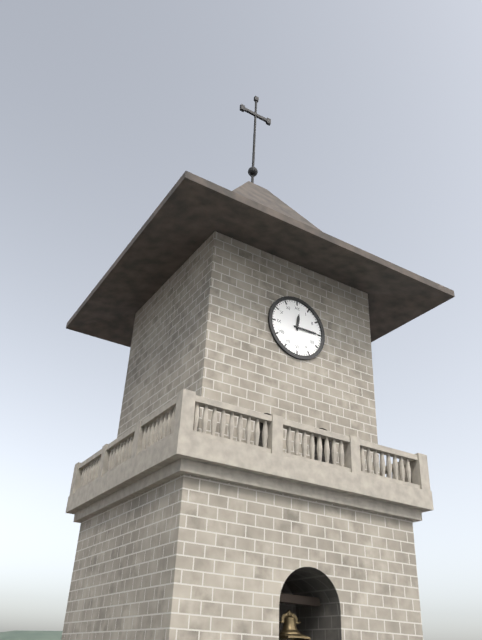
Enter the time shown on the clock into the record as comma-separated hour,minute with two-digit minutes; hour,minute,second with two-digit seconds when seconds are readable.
12,15
